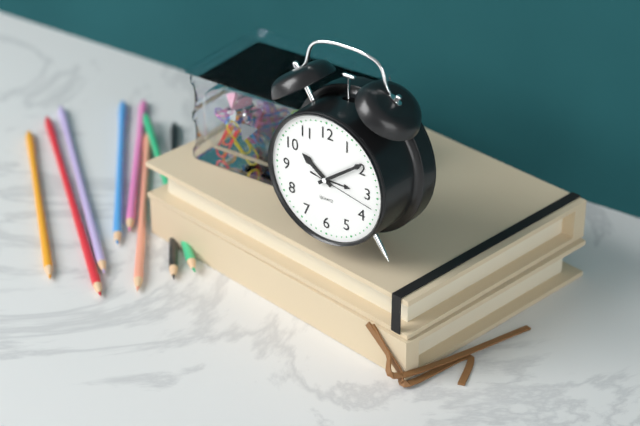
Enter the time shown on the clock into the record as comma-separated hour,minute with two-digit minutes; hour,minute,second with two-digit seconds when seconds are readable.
10,09,17
